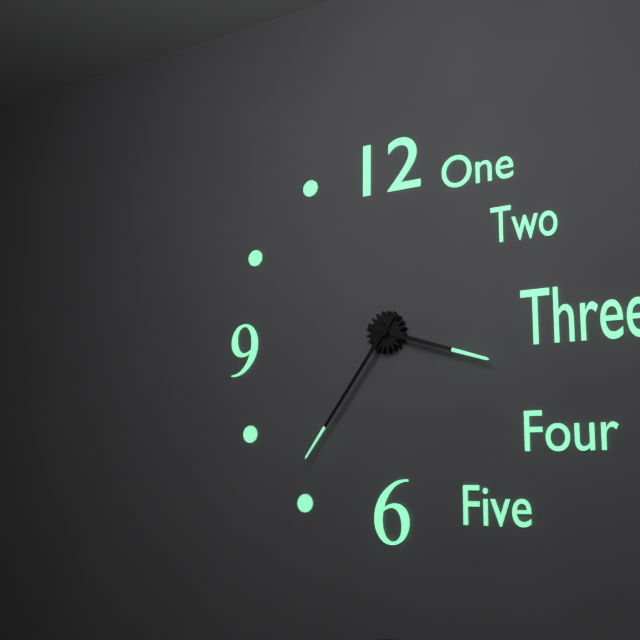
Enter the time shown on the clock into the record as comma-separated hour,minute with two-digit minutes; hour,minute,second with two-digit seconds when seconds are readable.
3,36
